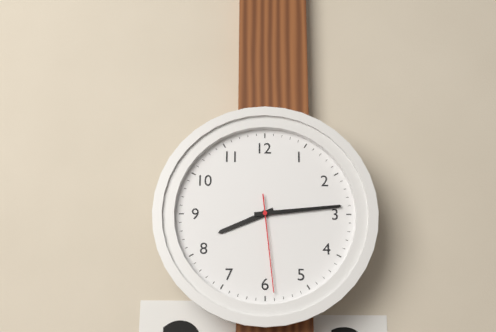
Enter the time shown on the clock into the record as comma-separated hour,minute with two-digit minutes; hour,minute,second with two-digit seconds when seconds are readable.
8,14,29
